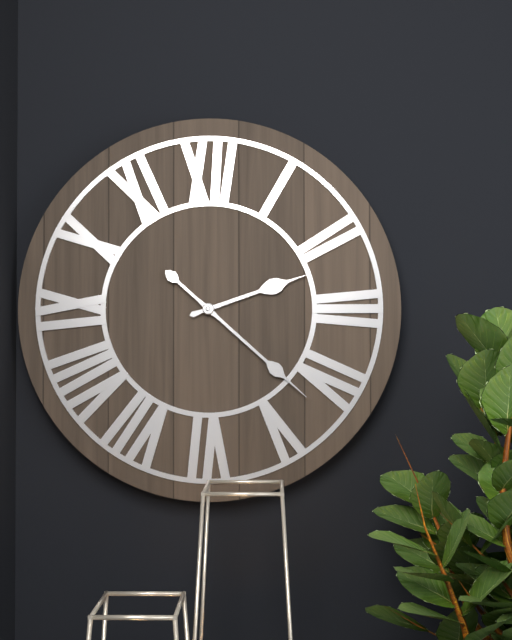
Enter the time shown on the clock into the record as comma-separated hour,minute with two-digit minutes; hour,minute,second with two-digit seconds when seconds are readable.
2,22
